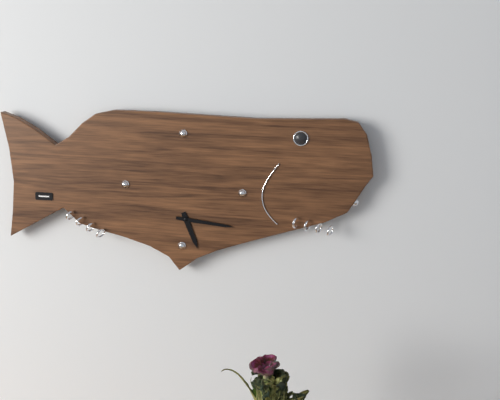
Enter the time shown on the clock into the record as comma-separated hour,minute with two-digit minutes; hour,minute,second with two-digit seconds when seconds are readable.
5,16
